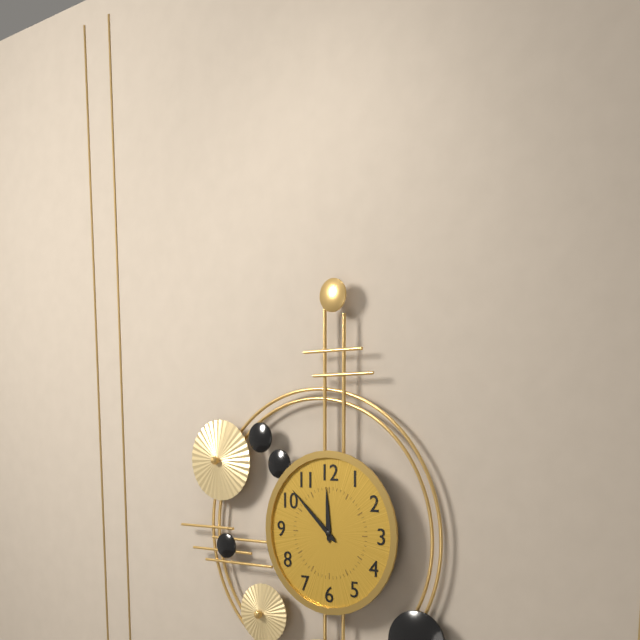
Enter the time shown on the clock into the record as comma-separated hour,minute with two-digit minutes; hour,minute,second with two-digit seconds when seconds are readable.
11,52
